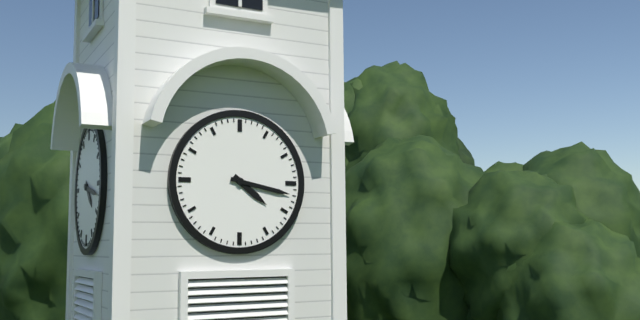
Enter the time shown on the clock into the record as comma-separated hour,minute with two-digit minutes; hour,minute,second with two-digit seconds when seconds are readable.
4,17
